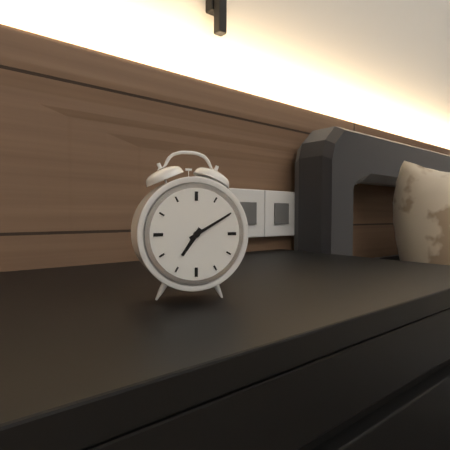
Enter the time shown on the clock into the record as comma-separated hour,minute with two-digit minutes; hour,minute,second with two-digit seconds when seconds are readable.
7,10
